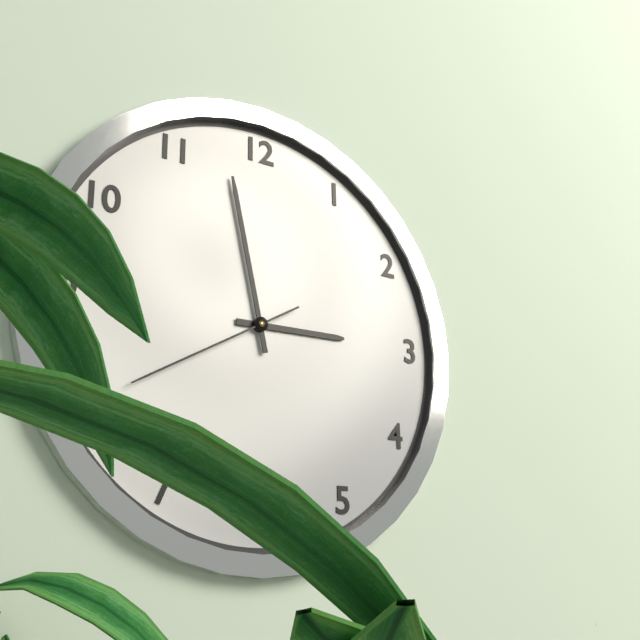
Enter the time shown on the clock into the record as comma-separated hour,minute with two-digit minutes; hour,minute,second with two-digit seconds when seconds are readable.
2,58,40
